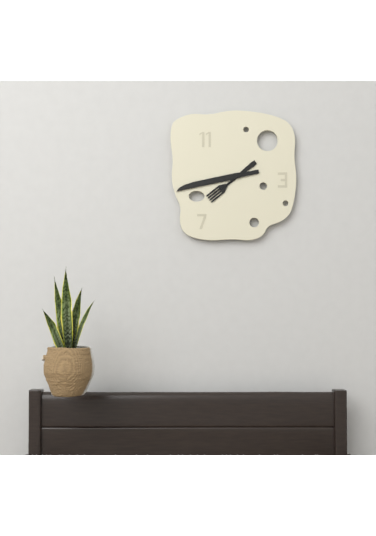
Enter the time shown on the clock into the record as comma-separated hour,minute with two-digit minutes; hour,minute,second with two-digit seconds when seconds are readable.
7,43
